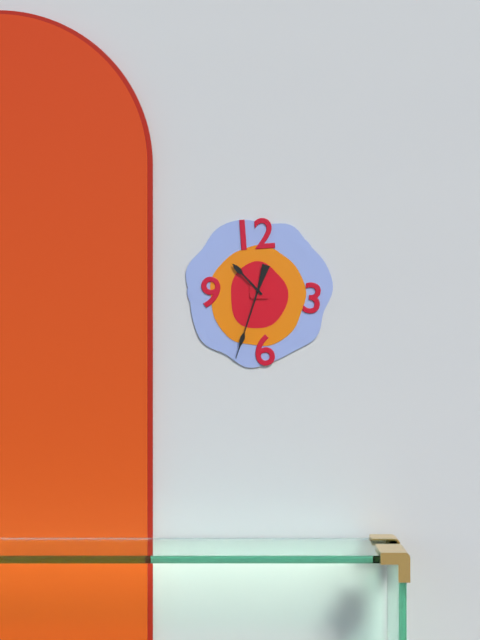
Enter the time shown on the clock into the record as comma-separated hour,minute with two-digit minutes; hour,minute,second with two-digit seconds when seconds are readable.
10,33
